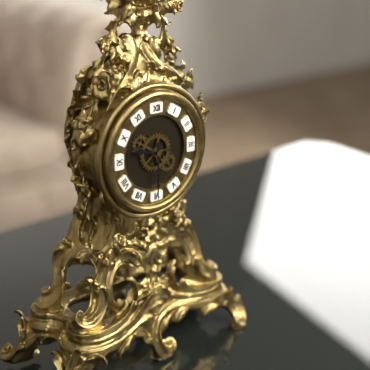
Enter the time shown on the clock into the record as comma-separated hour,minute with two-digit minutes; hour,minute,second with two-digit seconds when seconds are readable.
9,30
